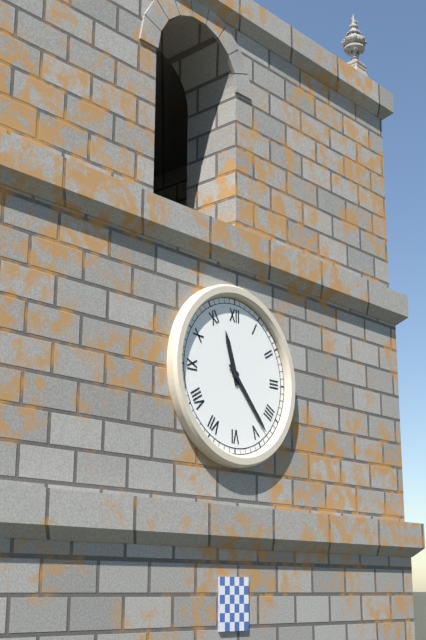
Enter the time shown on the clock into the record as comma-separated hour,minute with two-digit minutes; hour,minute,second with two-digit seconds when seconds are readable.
11,23
